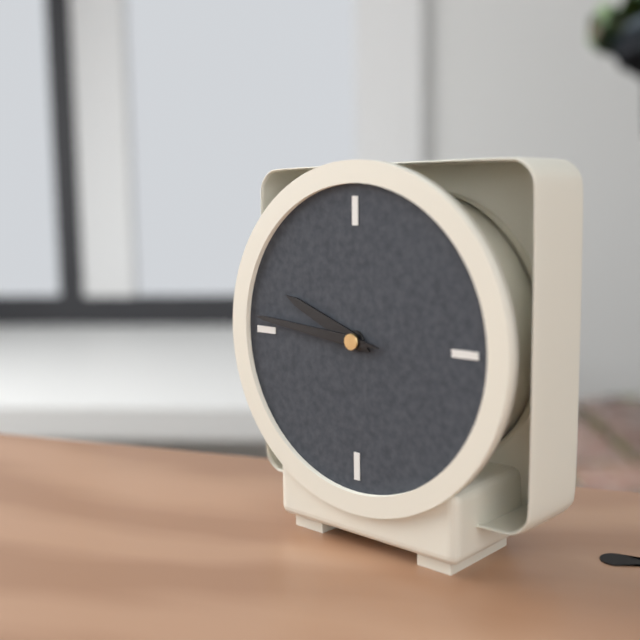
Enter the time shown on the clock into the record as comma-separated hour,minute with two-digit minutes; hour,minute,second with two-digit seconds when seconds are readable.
9,46
